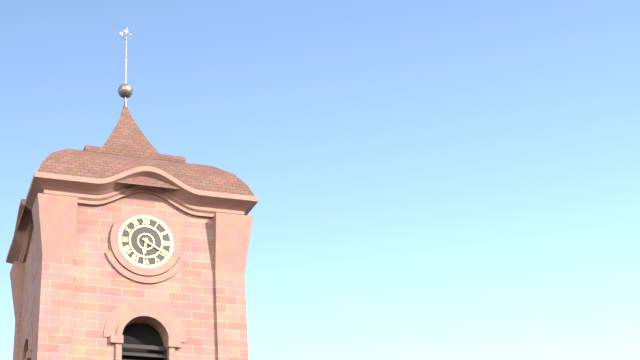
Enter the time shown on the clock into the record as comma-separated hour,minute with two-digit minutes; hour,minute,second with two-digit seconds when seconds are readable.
6,20
